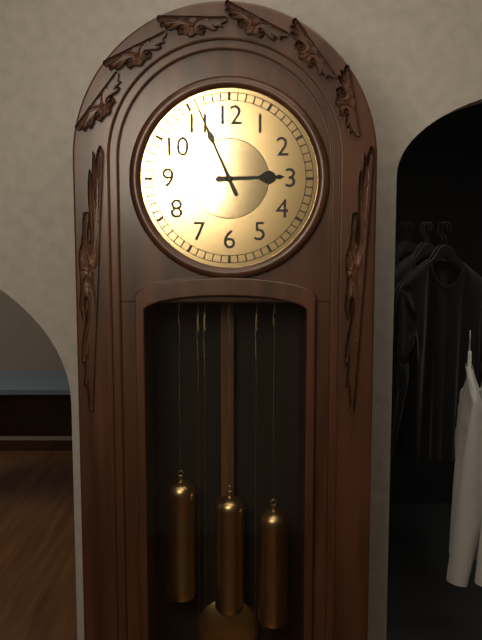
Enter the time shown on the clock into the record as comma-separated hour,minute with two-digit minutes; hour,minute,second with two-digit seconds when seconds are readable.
2,56
